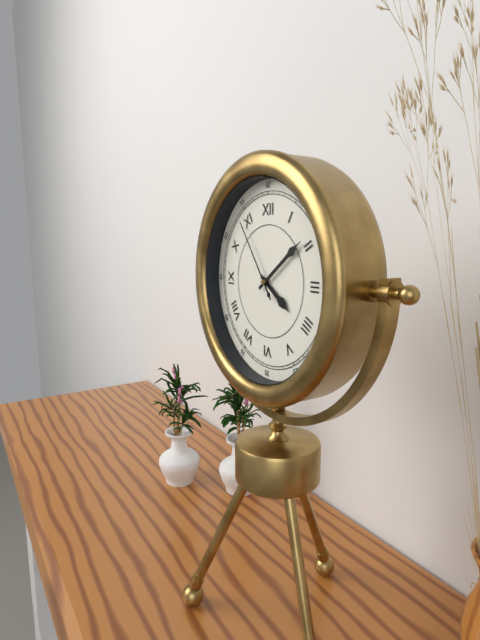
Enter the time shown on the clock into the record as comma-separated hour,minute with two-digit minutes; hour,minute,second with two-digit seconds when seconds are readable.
4,09,54
